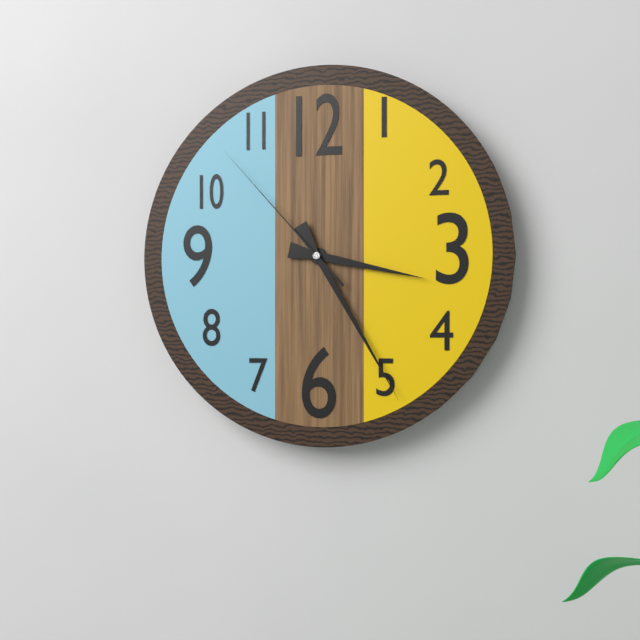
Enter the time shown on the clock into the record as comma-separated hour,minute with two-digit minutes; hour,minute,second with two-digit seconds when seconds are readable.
3,25,53
